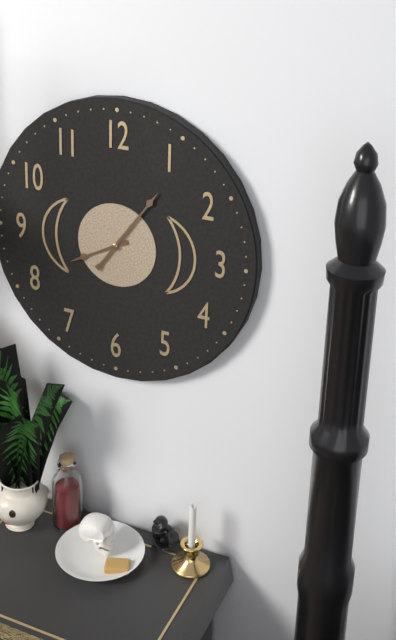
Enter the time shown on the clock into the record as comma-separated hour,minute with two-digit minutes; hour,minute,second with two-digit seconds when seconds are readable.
8,06
